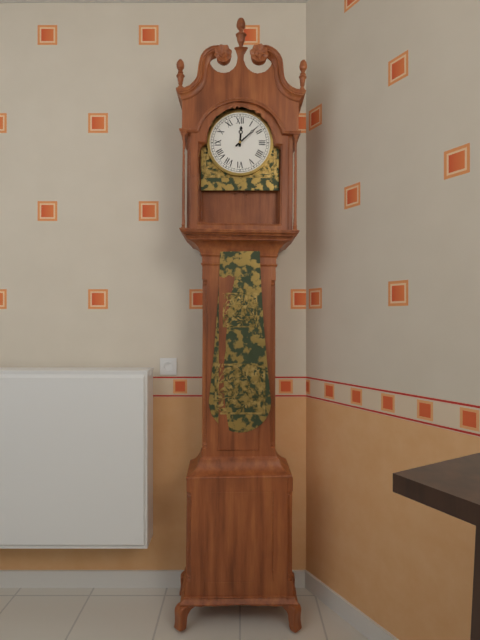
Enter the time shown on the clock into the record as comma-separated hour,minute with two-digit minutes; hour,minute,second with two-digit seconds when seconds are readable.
12,08
